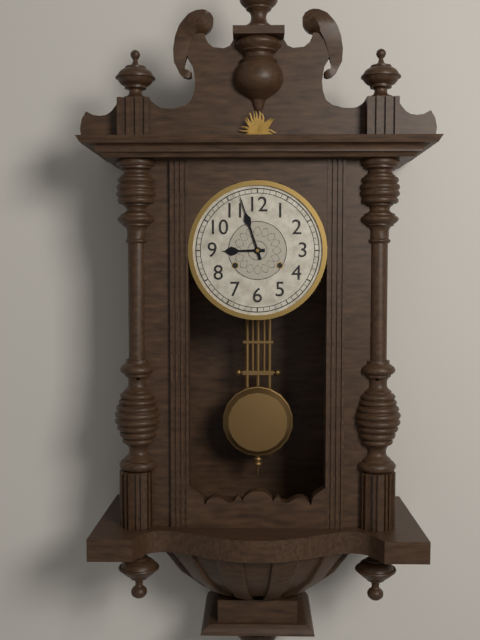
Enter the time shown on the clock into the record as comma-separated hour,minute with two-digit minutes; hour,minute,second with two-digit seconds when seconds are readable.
8,57
